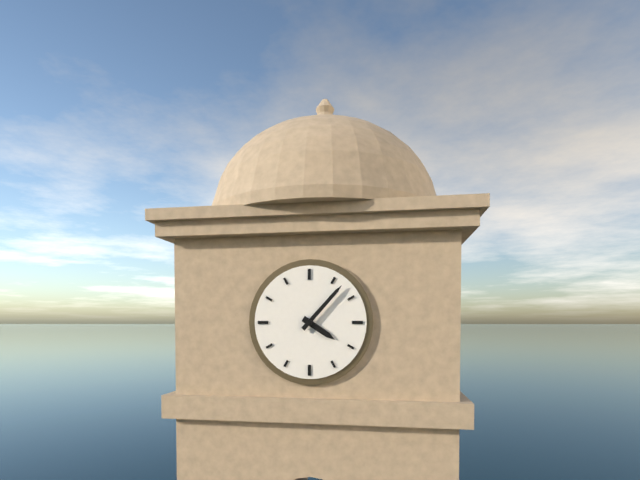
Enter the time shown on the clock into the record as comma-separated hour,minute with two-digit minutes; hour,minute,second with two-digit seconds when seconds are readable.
4,07
